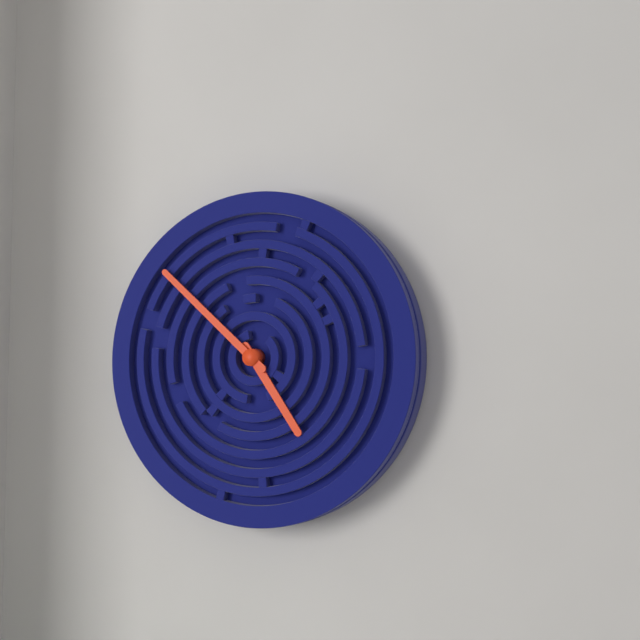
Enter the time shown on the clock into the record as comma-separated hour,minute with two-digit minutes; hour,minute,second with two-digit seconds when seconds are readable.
4,52
